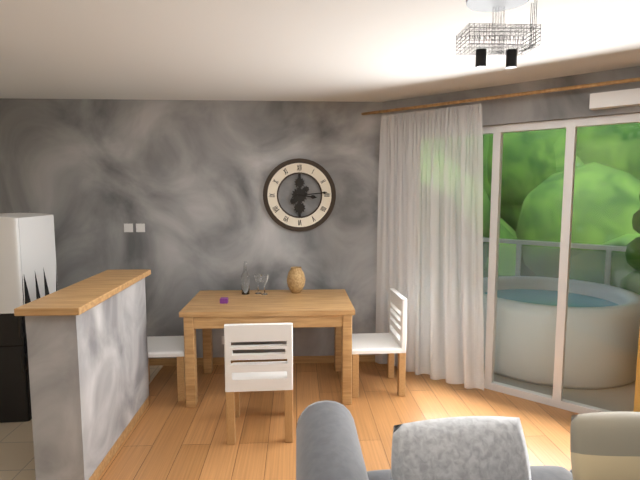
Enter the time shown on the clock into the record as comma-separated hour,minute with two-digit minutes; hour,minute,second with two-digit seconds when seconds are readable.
3,14
